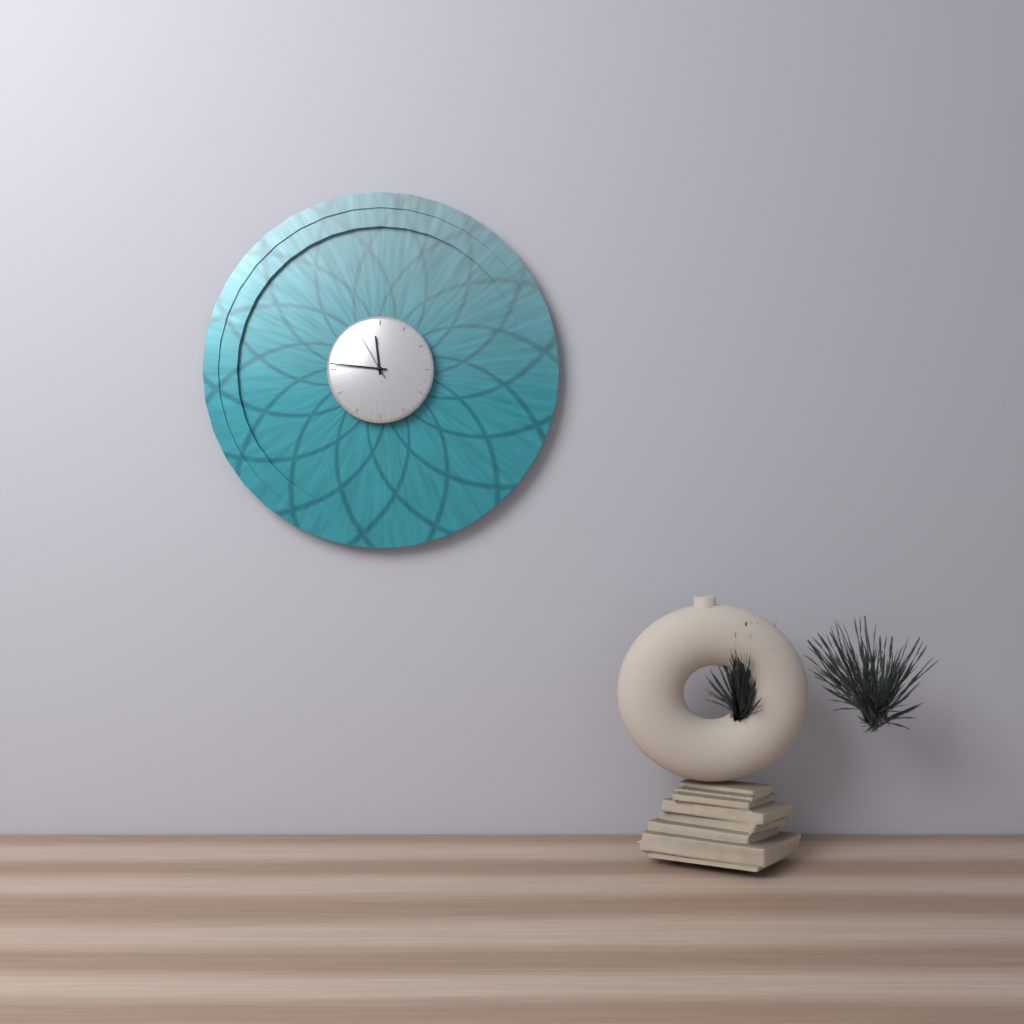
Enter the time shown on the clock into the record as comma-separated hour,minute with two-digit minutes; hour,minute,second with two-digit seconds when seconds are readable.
11,46,55
